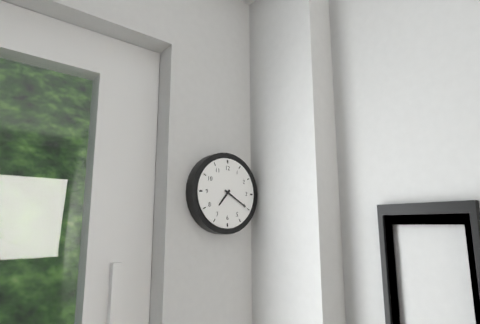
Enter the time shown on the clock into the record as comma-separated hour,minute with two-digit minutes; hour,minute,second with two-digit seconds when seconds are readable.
7,20
